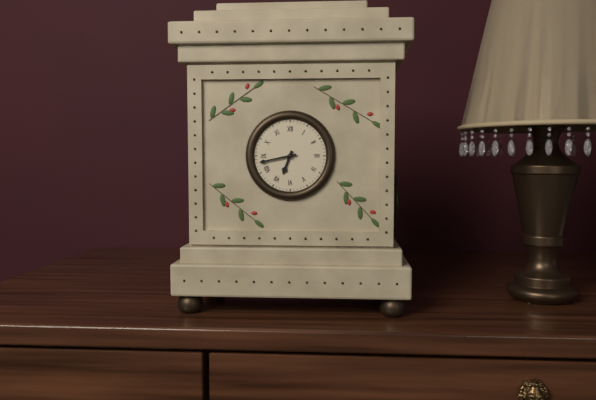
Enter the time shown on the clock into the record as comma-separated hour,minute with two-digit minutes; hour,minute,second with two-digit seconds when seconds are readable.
6,43
